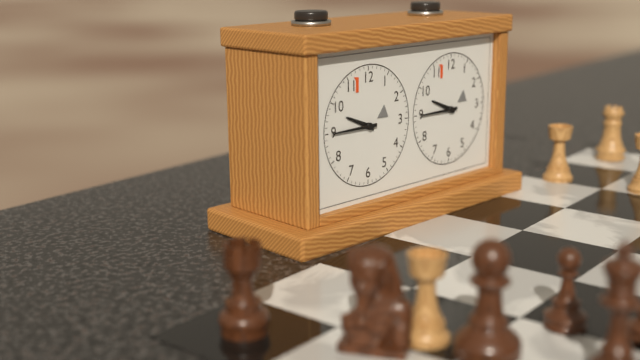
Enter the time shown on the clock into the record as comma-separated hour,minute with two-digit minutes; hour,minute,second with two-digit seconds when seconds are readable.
9,45
